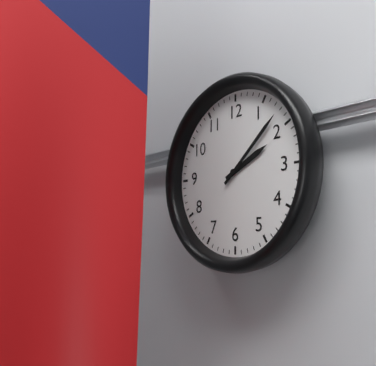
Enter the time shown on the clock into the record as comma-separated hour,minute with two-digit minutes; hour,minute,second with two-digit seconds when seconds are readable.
2,08
